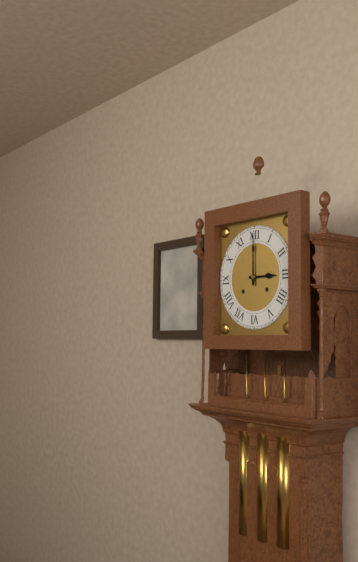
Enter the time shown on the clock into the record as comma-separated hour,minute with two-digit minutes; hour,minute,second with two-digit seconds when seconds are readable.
3,00
